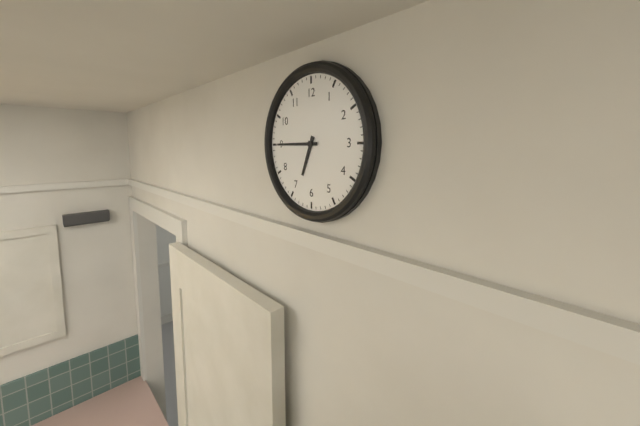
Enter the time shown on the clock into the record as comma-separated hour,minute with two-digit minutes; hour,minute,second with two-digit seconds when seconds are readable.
6,45
